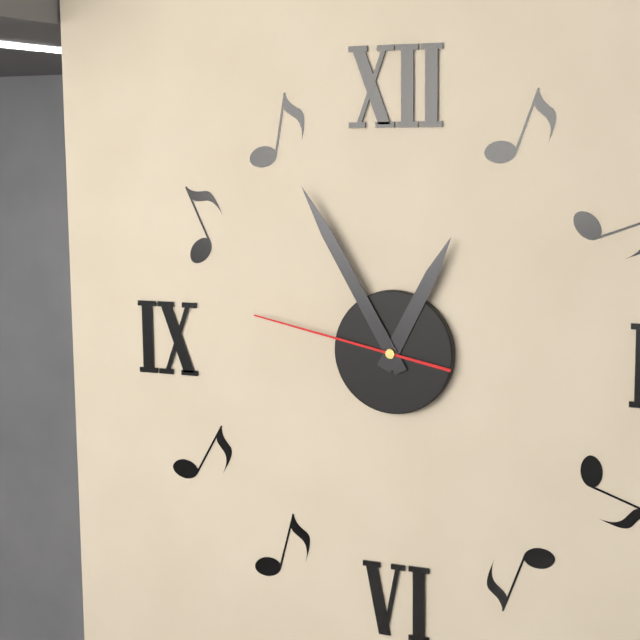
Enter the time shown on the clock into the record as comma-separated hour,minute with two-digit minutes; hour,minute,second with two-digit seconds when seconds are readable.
12,55,47
